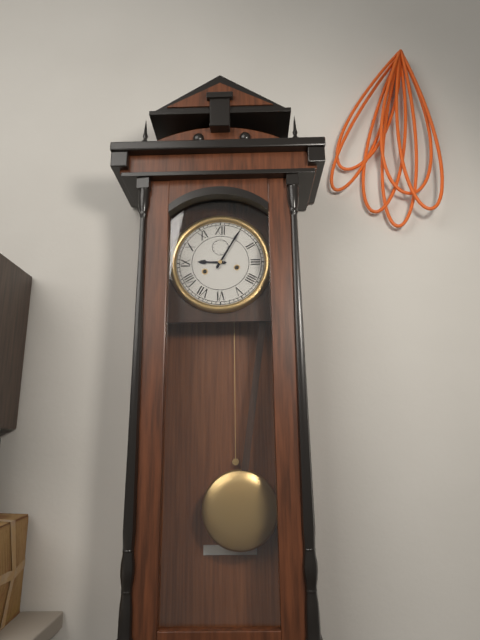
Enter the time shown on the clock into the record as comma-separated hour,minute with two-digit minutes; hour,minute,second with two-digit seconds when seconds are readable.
9,05
